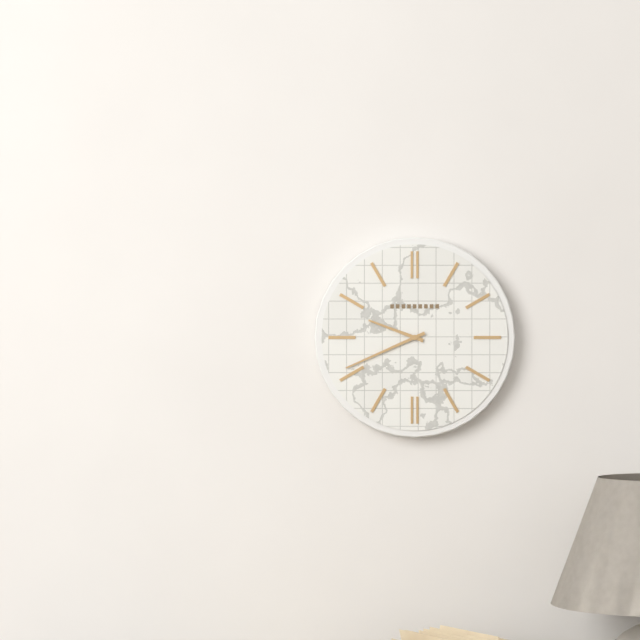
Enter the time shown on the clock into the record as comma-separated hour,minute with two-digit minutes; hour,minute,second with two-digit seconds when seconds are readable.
9,41
